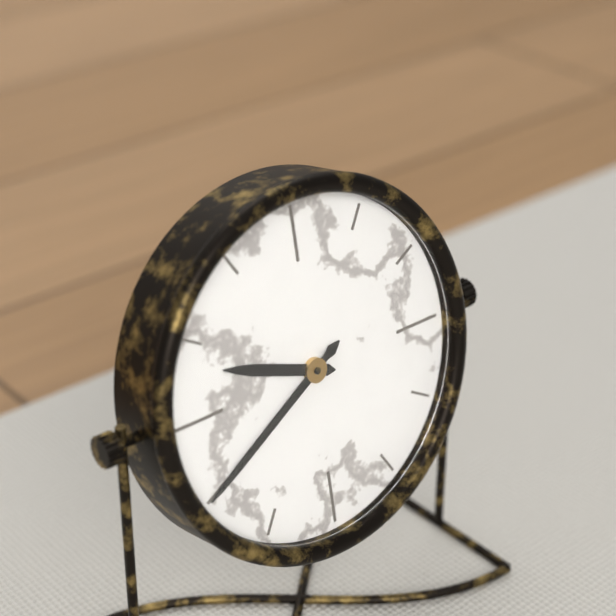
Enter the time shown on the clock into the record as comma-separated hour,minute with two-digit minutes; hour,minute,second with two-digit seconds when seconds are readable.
9,40
